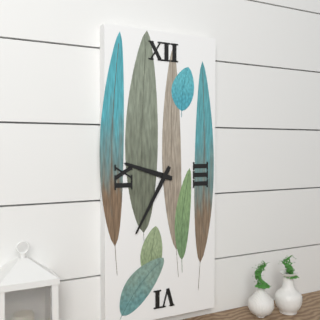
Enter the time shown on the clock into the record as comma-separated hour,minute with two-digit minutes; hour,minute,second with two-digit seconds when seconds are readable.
9,35
